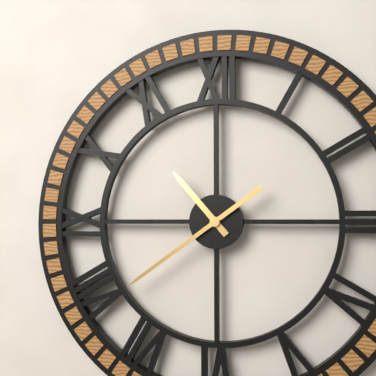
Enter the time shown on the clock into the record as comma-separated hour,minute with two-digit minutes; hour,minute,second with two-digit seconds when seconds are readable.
10,39
